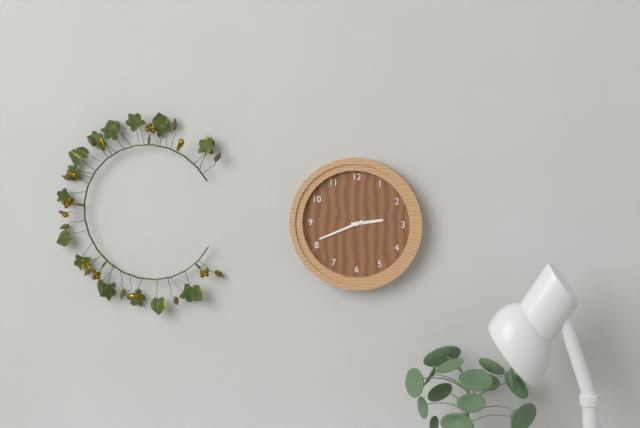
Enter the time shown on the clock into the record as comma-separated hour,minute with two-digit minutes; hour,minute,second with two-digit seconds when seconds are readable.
2,41
